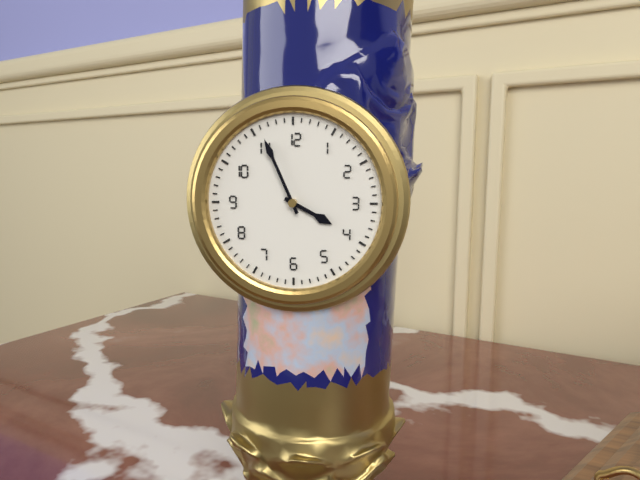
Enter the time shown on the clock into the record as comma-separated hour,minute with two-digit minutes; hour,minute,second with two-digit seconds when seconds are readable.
3,56
